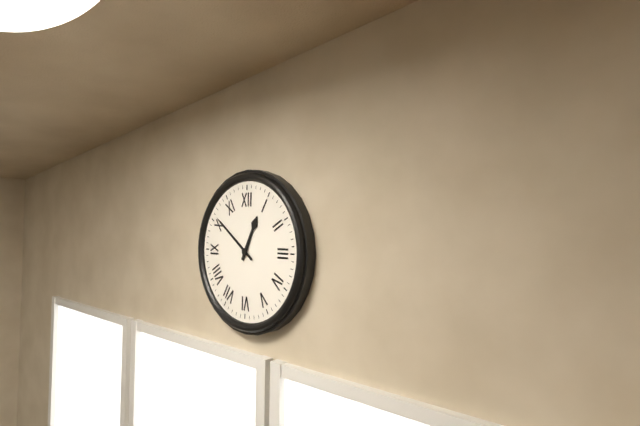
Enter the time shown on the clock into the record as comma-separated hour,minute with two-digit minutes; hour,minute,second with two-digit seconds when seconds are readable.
12,51
